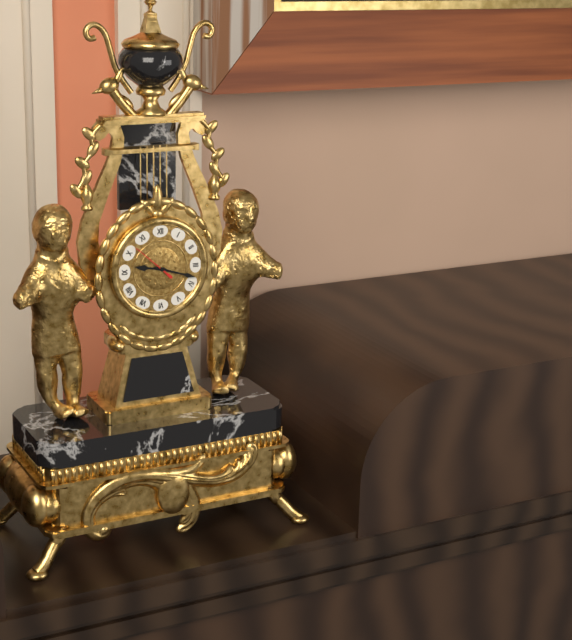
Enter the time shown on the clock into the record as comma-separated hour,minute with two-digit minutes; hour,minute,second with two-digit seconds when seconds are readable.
9,18
